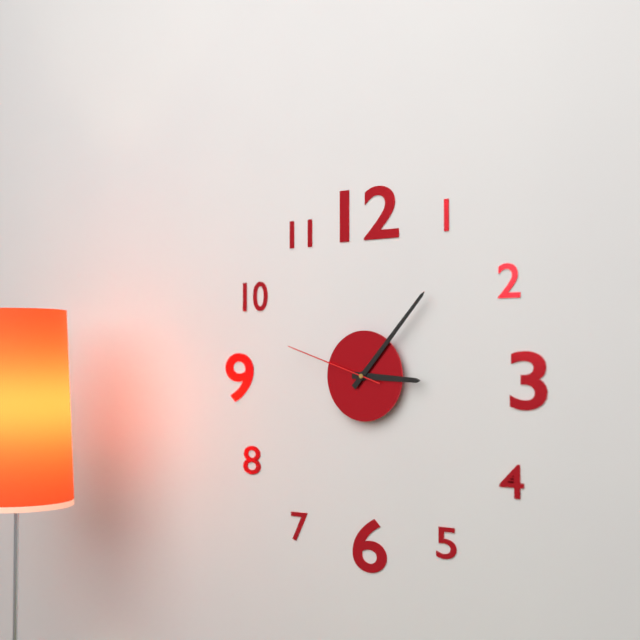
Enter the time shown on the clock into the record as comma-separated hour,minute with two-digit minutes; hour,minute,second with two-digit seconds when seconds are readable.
3,07,48
